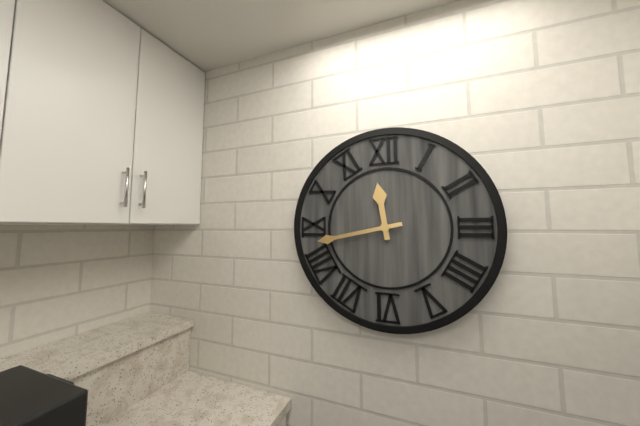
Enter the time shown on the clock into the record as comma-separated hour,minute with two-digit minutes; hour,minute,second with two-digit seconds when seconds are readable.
11,43
